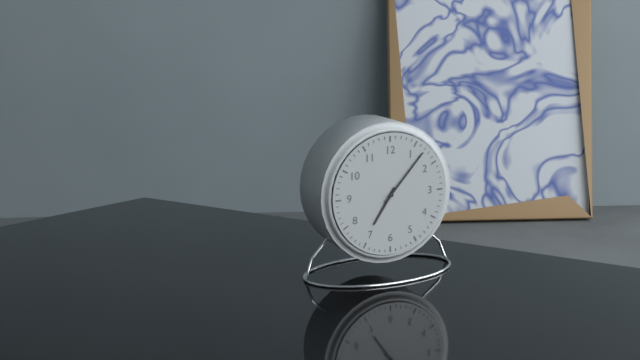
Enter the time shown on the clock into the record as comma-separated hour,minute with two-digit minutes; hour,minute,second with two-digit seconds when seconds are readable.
7,07
